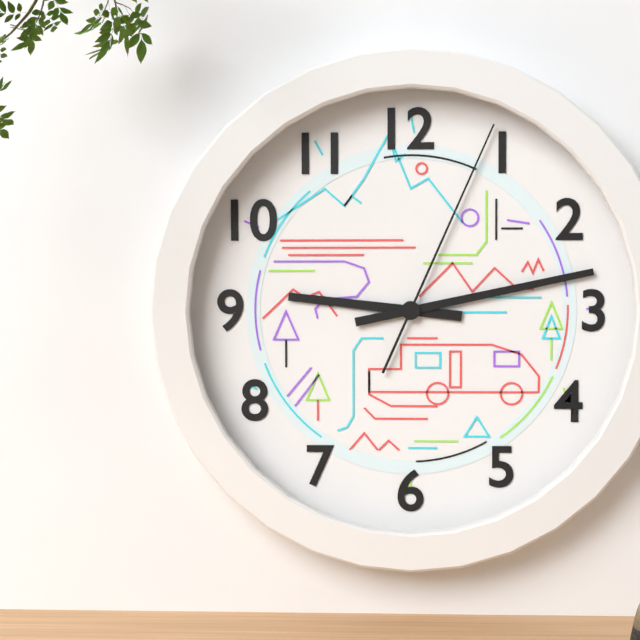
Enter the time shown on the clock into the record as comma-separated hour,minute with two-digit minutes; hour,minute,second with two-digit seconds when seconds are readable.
9,13,04
